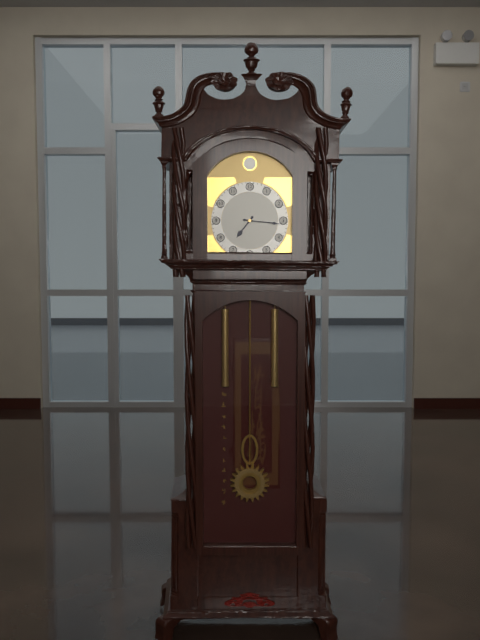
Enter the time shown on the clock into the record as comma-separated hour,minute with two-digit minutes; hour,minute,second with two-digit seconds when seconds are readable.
7,16
